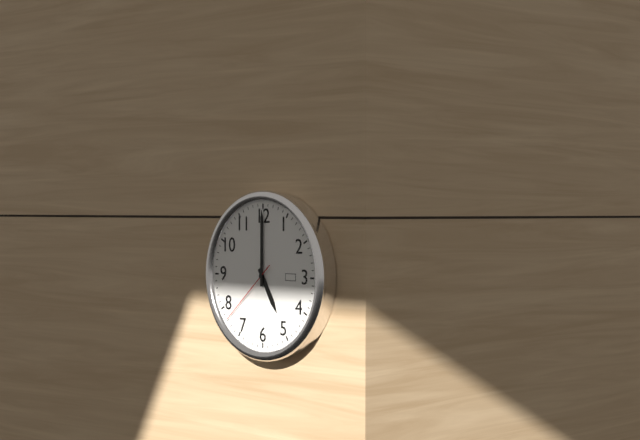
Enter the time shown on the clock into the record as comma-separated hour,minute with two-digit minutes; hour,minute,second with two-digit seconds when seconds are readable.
5,00,38
